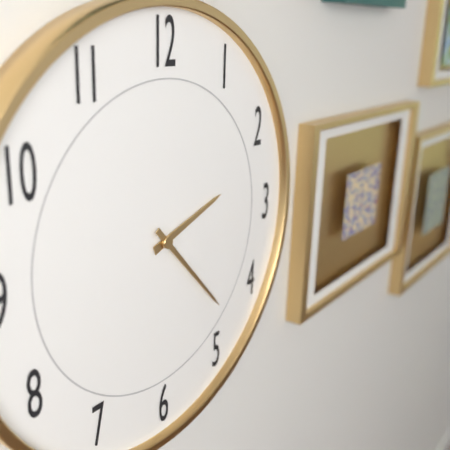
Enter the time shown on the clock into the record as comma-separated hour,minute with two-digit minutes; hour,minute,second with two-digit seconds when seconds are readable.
2,23
